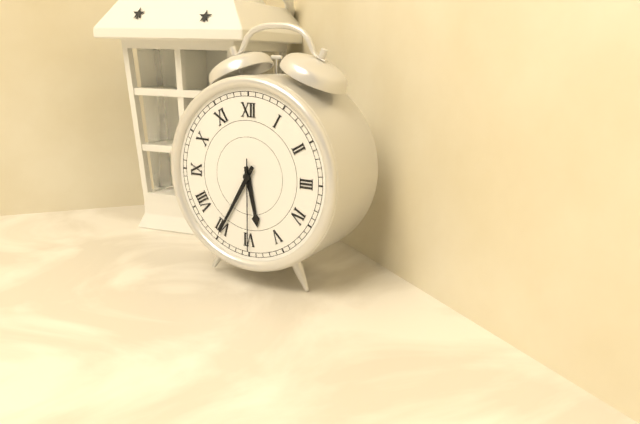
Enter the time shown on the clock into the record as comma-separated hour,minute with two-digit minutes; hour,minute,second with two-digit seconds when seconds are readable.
5,35,30
